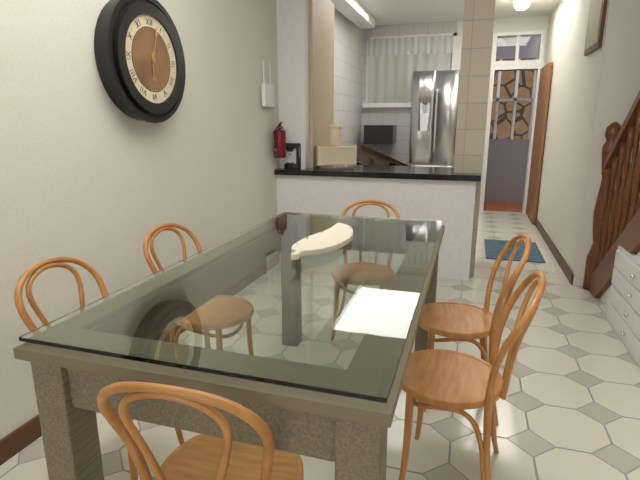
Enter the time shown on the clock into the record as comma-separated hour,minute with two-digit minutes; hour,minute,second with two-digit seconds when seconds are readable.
6,03
